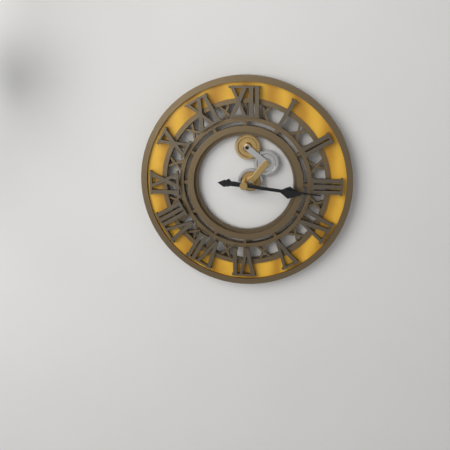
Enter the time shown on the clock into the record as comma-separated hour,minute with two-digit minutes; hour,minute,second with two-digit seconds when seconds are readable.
3,16
